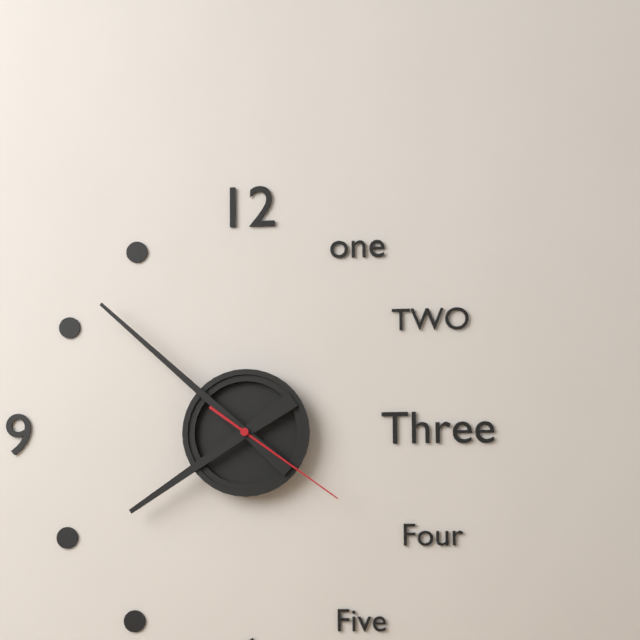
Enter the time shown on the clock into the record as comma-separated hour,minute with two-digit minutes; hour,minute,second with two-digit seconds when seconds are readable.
7,52,21
